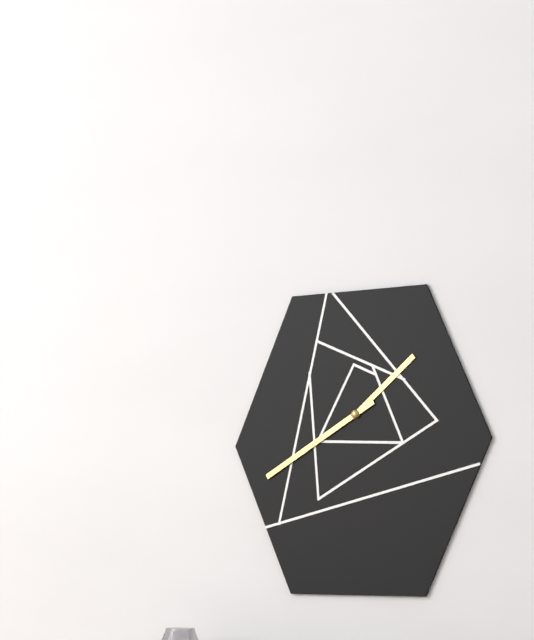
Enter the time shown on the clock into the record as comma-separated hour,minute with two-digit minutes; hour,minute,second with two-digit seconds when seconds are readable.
1,40
